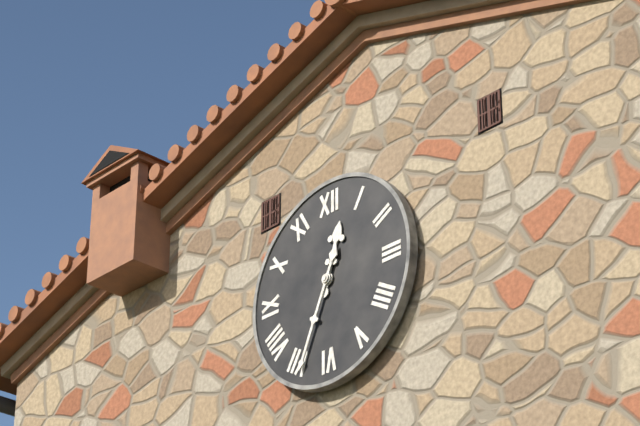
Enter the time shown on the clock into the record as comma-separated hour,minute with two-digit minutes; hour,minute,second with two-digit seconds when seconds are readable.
12,34
